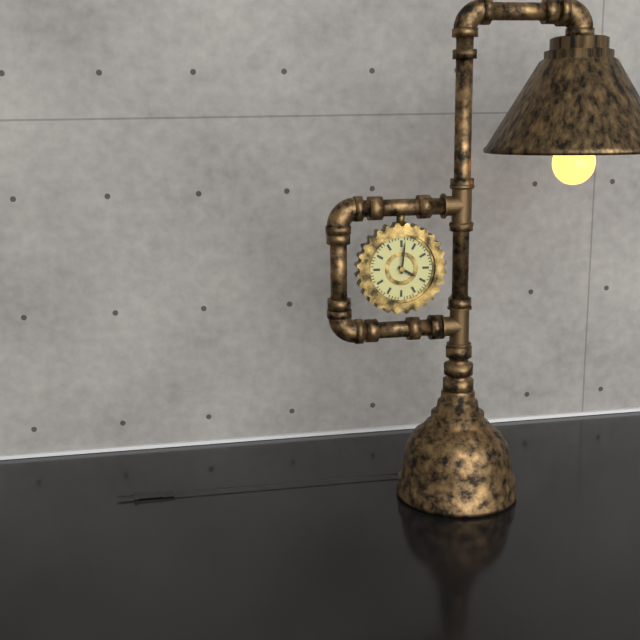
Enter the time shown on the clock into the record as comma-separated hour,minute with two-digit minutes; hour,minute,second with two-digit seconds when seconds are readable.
4,01
